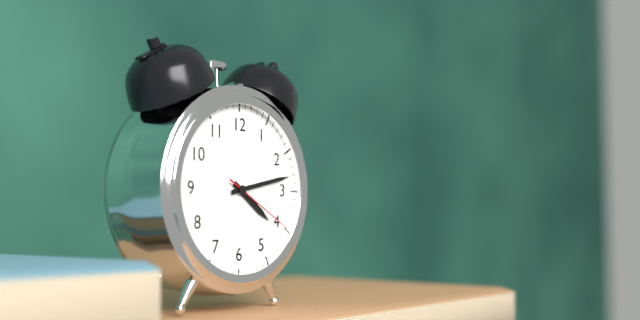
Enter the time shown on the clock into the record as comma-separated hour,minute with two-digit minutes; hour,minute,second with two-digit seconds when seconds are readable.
4,13,20
